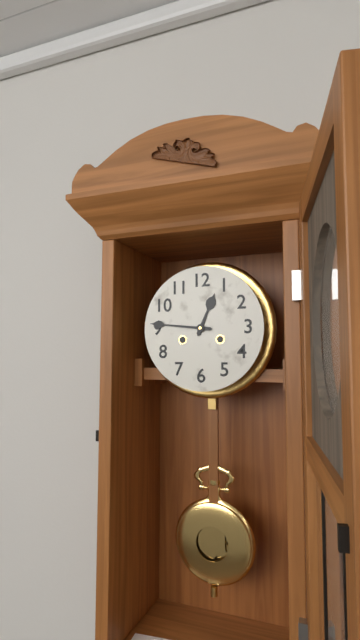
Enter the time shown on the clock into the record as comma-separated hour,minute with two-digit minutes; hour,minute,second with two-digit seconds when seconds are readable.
12,46
